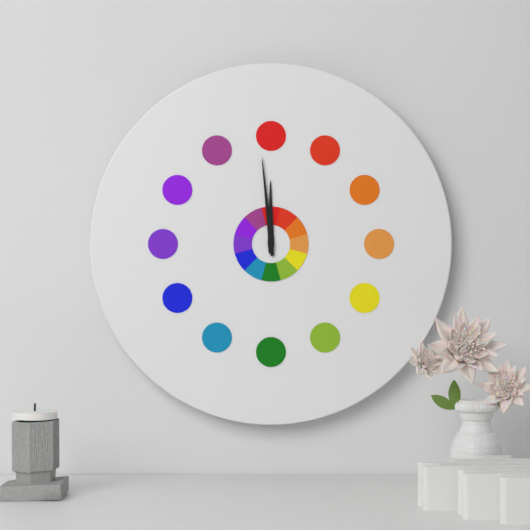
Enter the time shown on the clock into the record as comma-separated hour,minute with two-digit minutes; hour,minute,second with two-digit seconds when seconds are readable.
11,59
